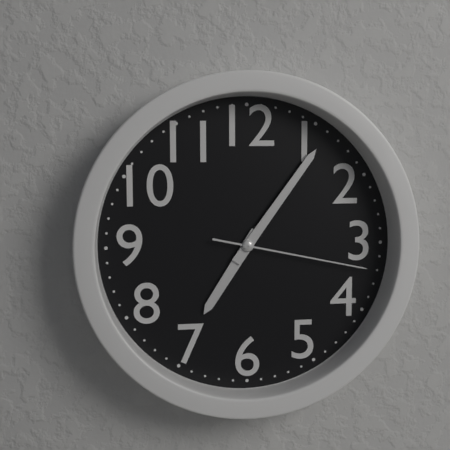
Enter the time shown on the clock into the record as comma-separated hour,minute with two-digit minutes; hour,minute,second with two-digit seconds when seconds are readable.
7,06,17
